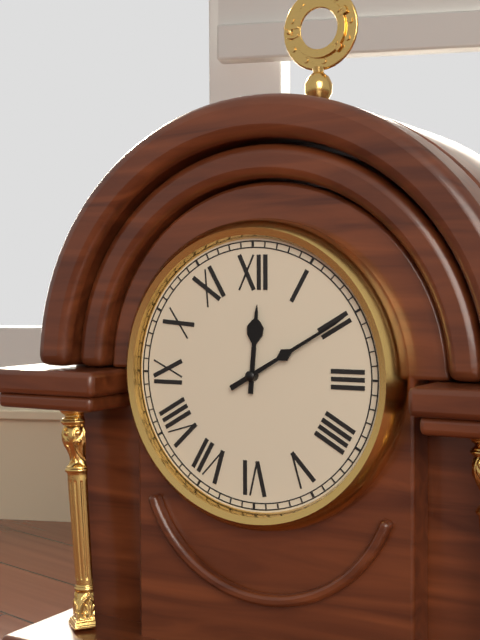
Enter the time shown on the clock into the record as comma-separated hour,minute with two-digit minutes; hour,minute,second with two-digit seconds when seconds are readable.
12,10
